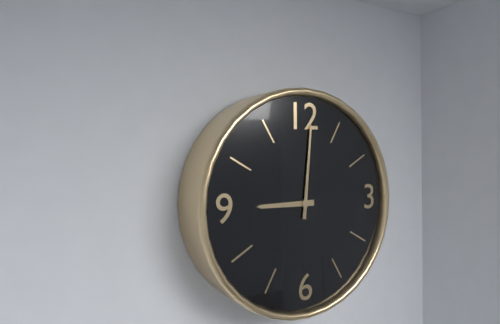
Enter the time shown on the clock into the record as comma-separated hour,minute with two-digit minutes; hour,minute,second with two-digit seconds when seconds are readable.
9,01
